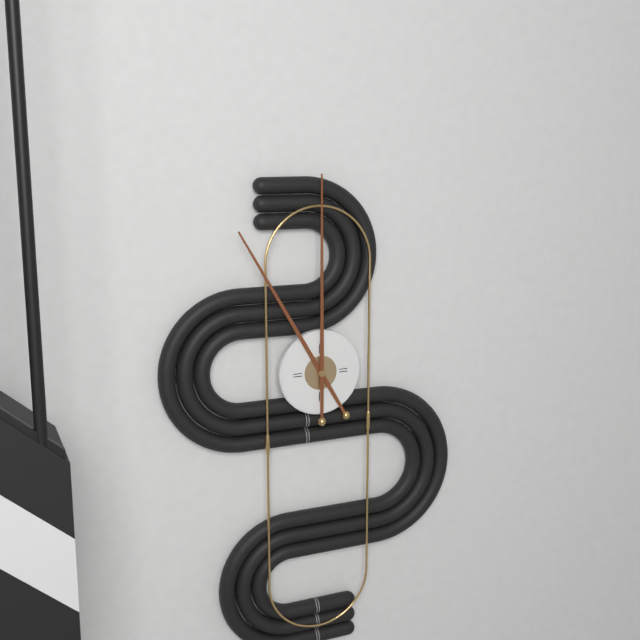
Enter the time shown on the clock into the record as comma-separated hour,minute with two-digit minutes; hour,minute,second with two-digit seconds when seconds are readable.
11,00
